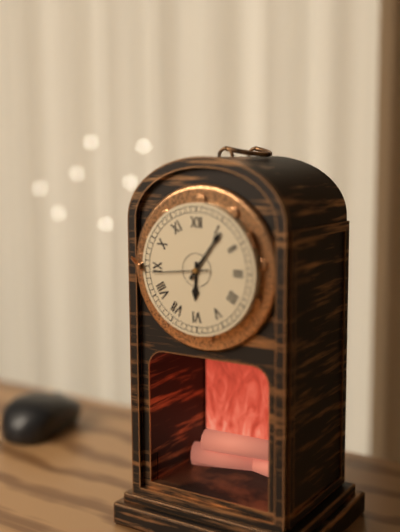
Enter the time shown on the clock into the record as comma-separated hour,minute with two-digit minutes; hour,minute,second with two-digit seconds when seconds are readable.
6,06,44
